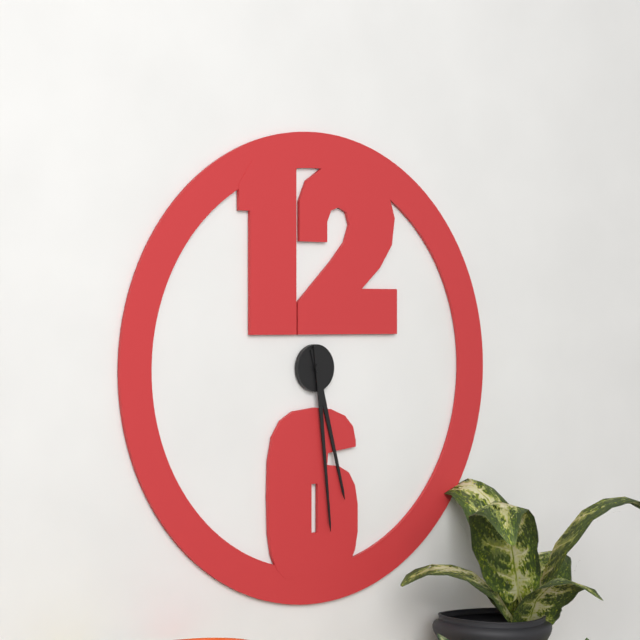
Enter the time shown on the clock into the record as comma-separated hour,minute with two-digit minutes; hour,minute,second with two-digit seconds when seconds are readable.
5,29
